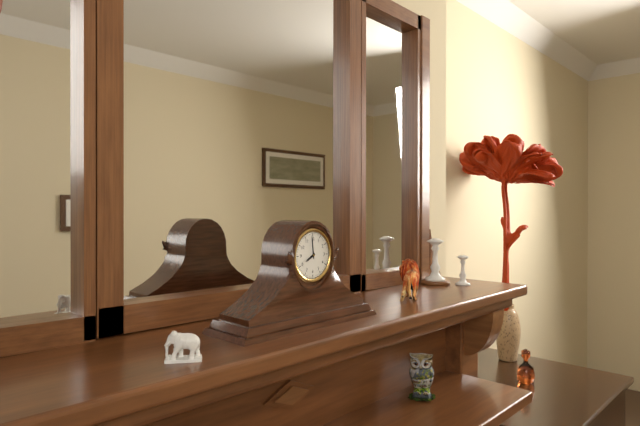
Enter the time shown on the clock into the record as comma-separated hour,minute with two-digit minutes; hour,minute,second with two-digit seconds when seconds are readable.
7,59
